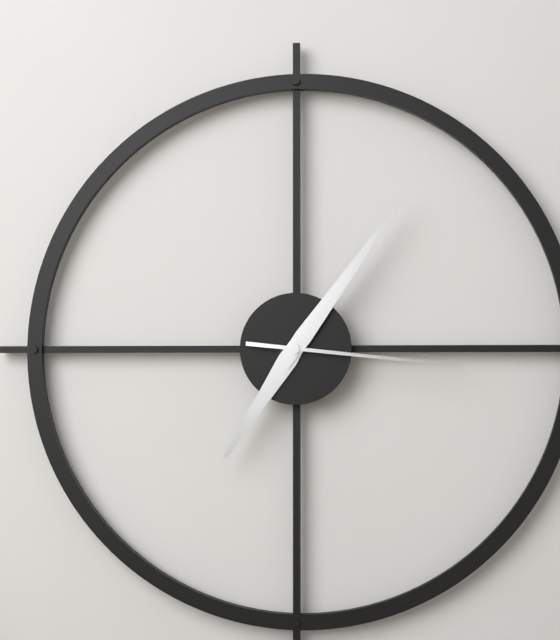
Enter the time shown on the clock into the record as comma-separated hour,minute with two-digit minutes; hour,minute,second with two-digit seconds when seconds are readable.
7,06,16
